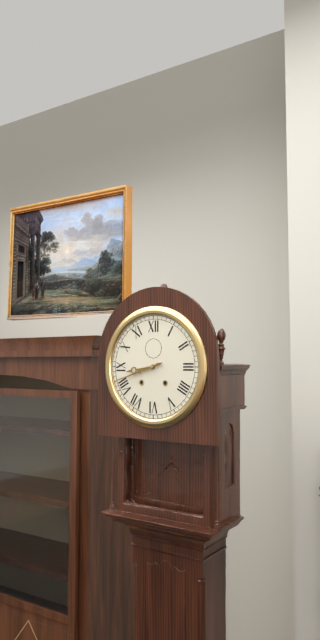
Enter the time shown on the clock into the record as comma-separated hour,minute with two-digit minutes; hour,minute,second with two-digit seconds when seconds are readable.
8,42
